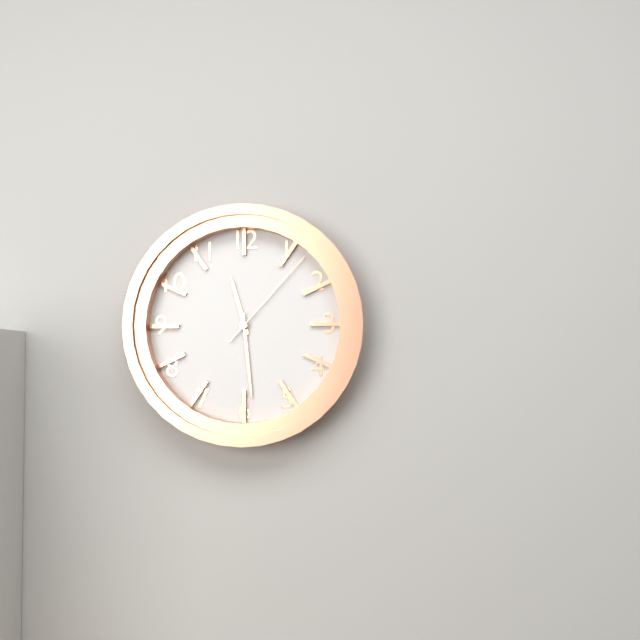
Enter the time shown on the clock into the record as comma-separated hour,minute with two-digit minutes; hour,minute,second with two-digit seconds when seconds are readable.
11,29,07
